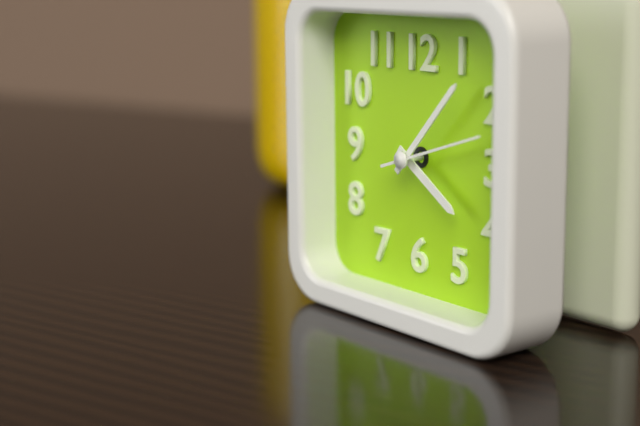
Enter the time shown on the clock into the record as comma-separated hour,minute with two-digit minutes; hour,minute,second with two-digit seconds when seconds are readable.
4,07,12
